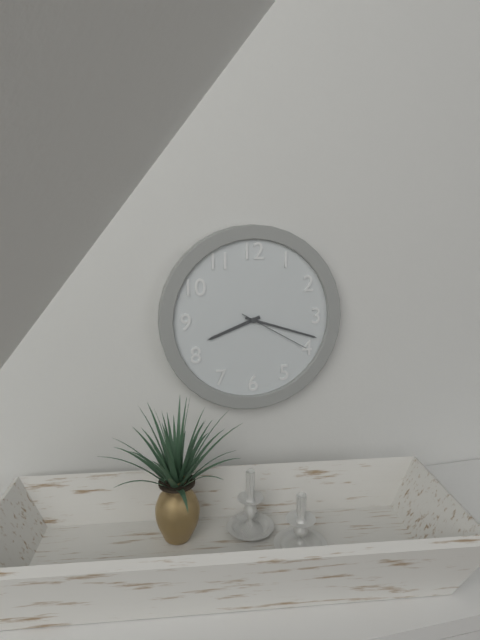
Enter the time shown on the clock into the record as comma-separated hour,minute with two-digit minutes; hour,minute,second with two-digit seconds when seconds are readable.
8,18,20
